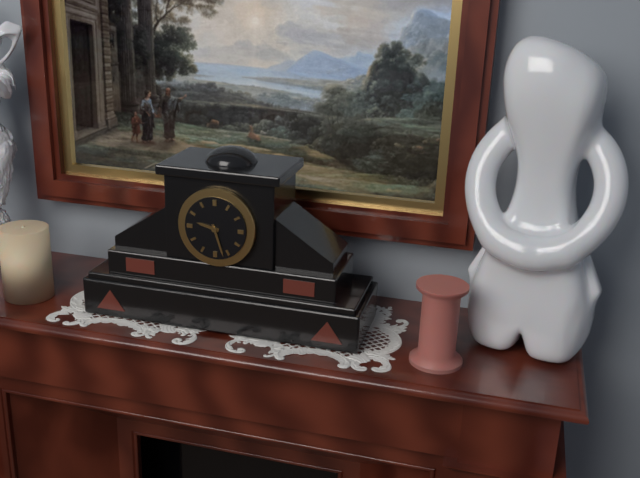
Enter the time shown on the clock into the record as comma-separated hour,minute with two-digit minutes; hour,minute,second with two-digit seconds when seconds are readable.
9,27
